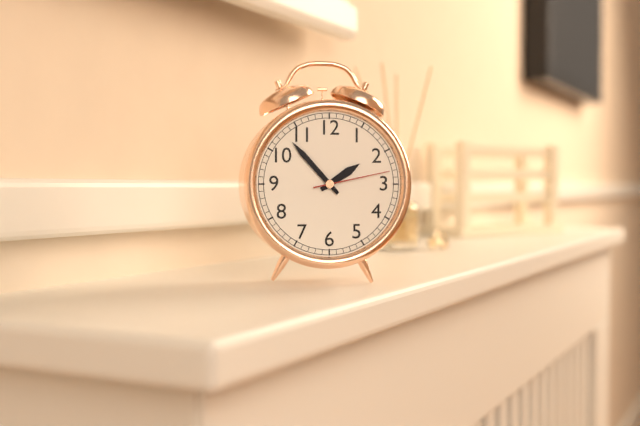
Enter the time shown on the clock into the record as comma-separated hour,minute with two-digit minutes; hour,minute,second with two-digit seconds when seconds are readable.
1,53,13
